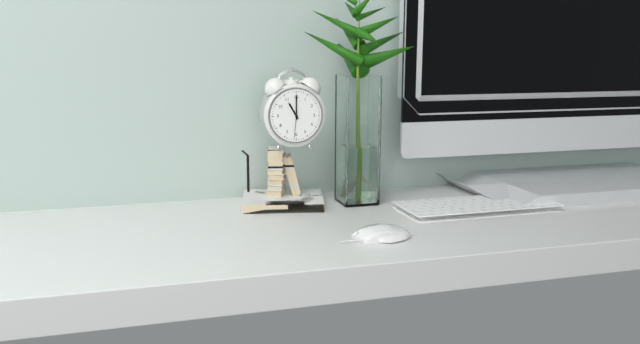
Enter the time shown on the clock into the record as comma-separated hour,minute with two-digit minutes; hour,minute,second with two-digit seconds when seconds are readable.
11,00
